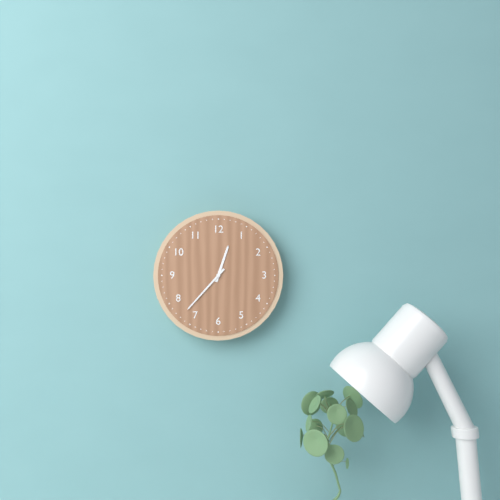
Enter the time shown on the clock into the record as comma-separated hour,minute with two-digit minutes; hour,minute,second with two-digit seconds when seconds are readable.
12,37
